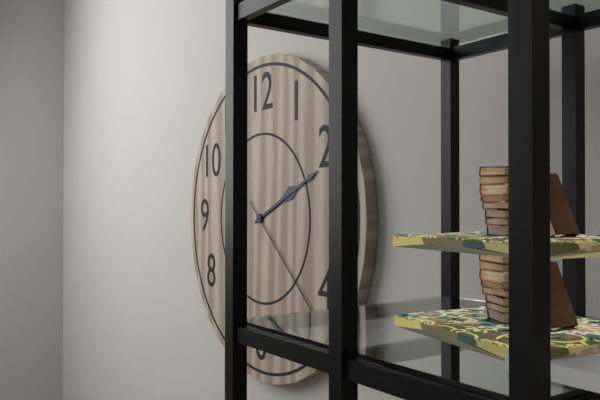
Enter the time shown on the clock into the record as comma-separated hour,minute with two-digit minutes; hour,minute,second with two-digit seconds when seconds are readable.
2,11,22
